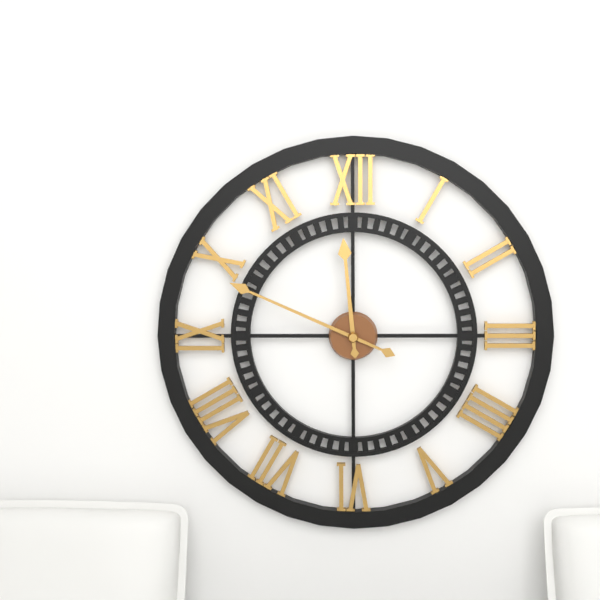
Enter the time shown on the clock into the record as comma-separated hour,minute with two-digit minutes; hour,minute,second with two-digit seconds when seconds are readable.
11,49
